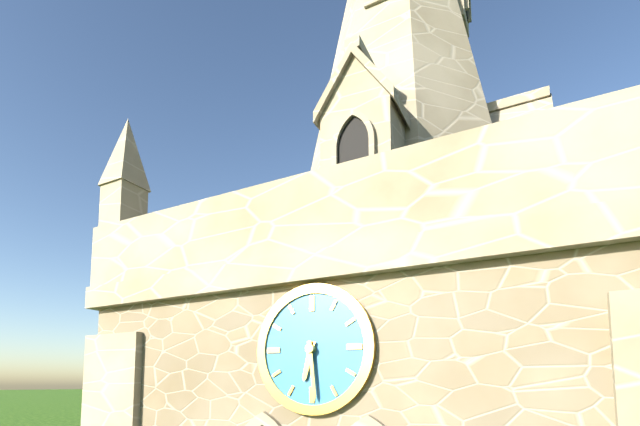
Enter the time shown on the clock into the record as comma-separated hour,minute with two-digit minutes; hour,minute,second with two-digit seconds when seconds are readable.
6,29
